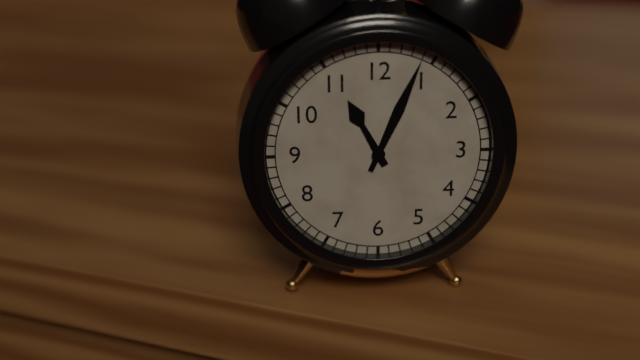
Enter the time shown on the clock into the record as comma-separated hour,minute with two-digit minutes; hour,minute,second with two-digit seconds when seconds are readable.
11,04
